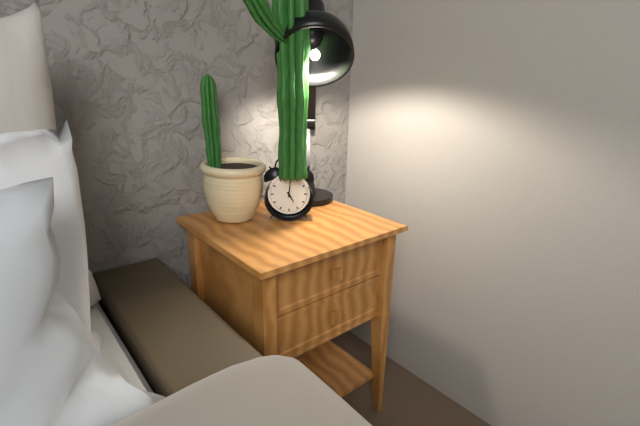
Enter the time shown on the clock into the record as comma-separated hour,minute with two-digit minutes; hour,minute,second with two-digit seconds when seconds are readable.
5,01
